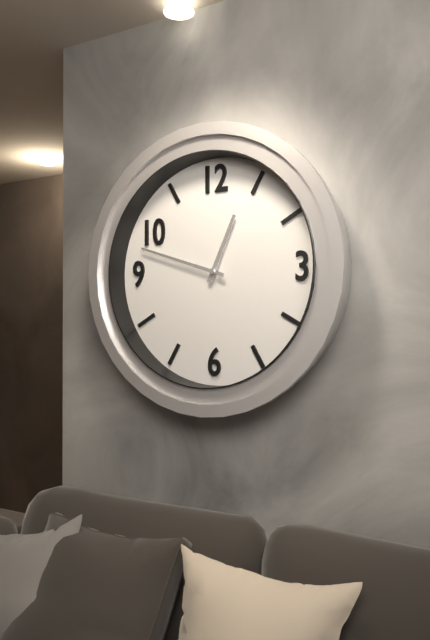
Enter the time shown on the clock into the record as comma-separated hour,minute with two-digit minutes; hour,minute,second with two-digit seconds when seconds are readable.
12,48
